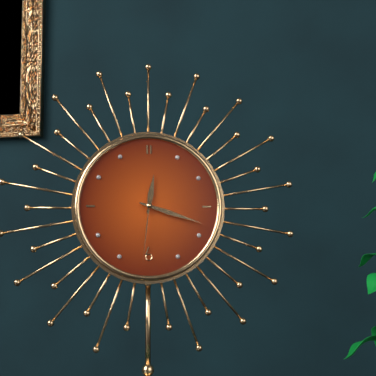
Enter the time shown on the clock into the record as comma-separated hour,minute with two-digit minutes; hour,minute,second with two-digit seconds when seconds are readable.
12,18,31
